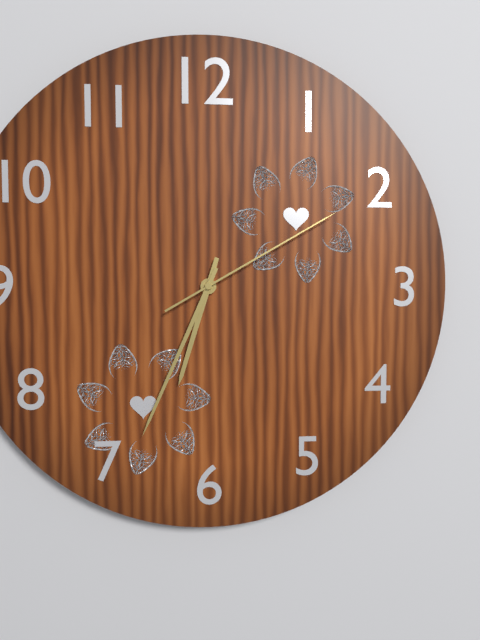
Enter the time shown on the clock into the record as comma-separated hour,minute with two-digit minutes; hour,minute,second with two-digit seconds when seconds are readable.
6,34,10
